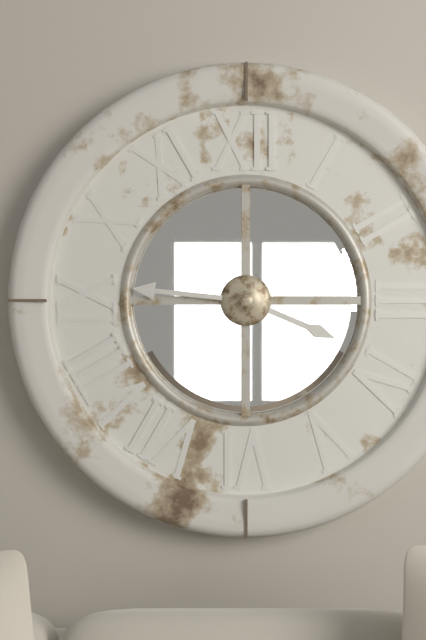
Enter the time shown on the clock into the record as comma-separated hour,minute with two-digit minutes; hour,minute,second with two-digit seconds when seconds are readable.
3,46
